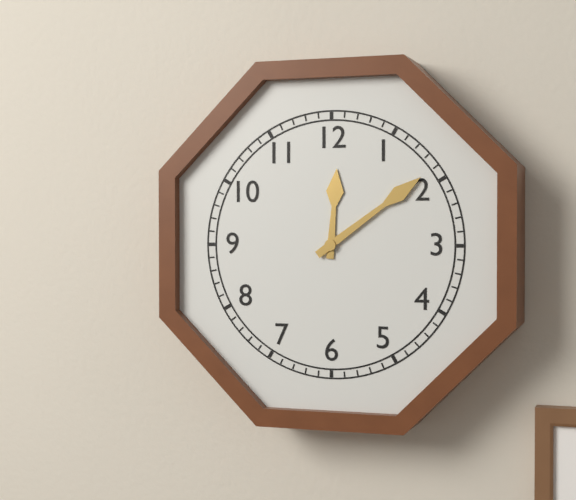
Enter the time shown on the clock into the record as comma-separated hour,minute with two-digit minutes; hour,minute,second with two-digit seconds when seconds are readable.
12,09
